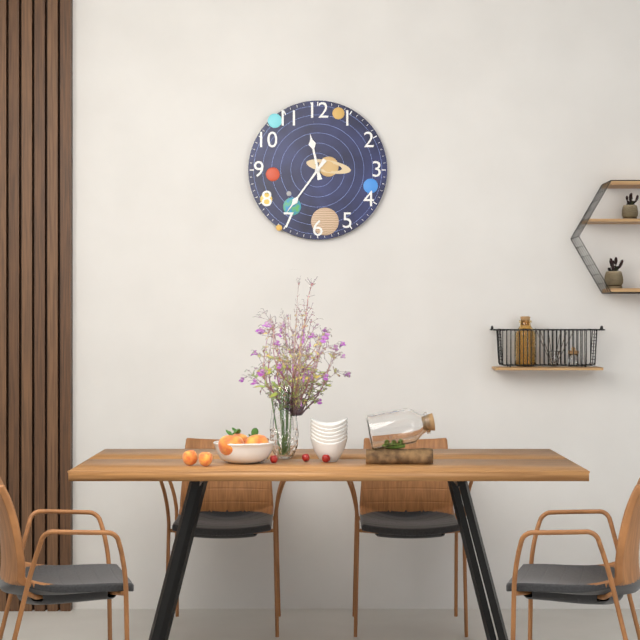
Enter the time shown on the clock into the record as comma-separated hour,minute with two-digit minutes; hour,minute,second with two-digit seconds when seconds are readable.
11,36
